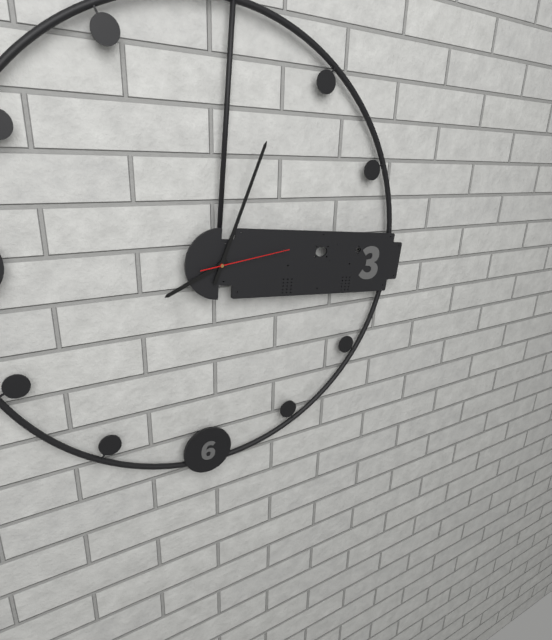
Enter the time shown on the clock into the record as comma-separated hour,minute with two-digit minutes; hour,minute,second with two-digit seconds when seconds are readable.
8,03,13
